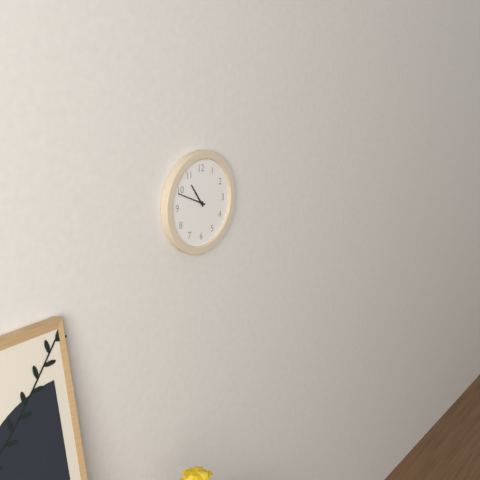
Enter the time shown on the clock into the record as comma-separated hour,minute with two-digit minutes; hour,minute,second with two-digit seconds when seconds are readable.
10,49
